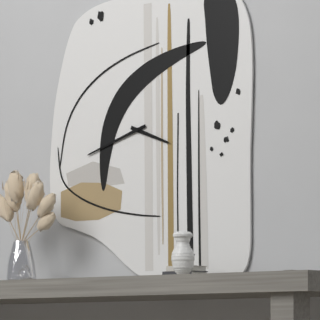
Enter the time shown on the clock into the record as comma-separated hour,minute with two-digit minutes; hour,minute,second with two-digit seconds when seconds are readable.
3,42
